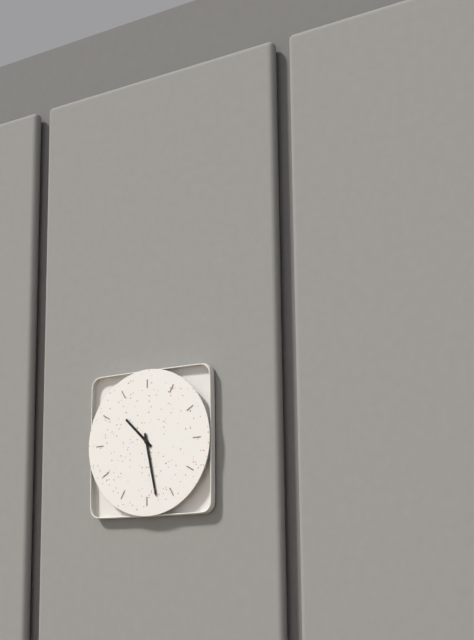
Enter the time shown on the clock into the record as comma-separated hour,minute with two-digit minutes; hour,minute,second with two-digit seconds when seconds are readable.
10,28
